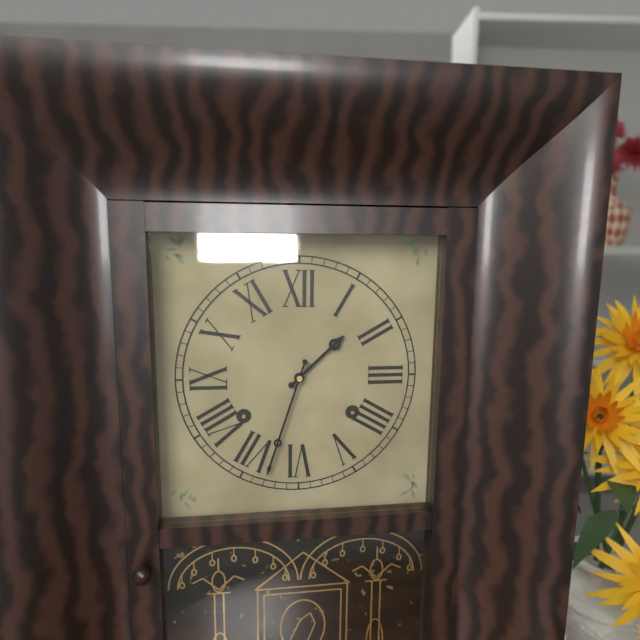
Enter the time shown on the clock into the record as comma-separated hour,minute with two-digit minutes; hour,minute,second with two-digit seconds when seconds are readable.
1,33
